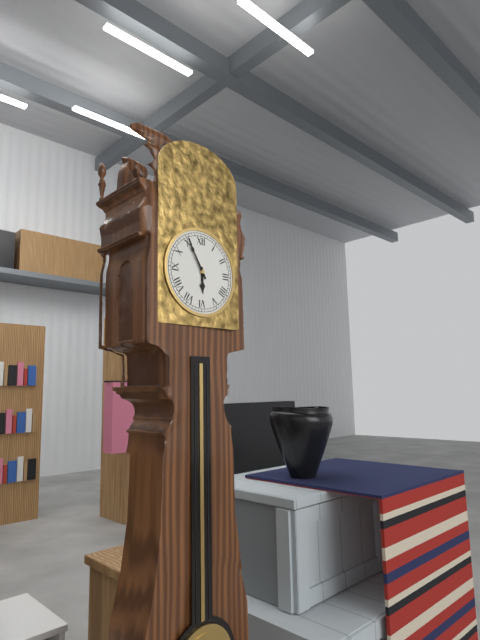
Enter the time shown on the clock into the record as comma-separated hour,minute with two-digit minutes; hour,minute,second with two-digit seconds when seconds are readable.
5,55
